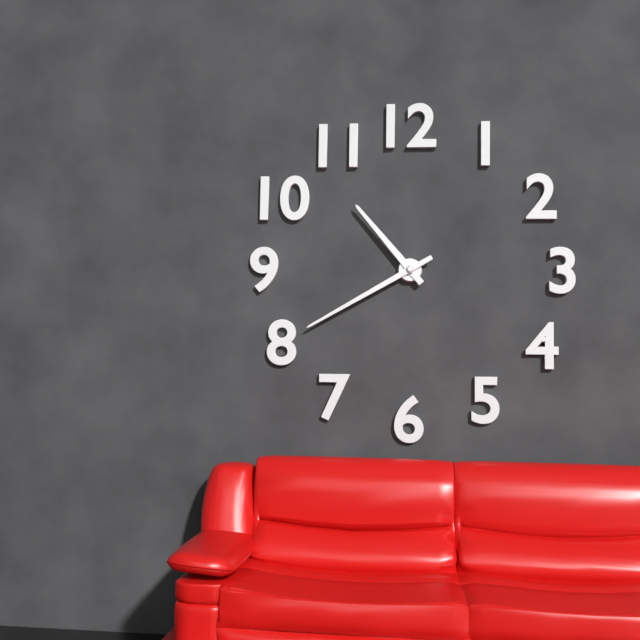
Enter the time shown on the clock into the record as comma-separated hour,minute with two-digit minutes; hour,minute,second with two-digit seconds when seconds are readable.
10,40
